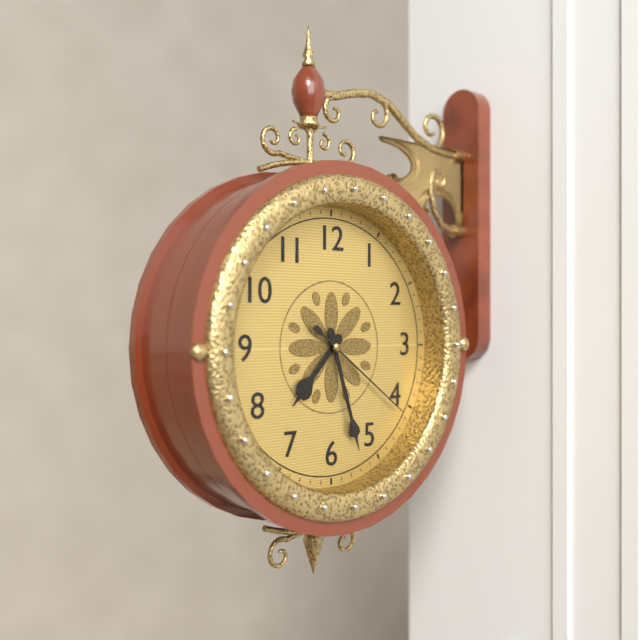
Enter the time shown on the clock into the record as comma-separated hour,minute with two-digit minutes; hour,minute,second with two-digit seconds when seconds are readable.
7,27,21
